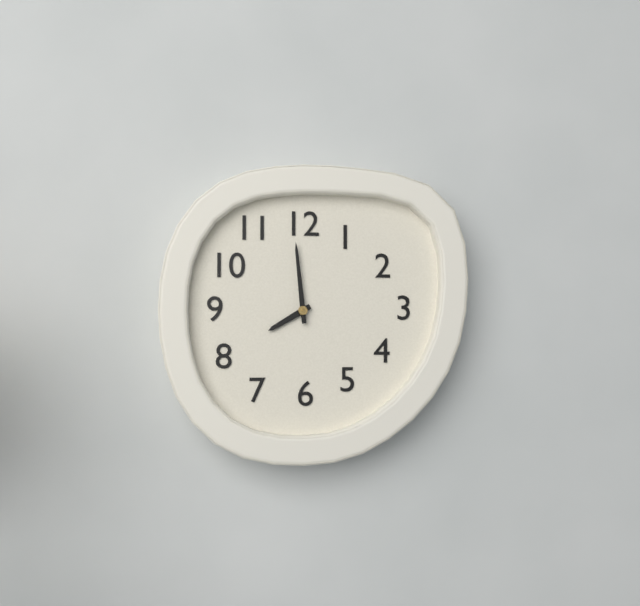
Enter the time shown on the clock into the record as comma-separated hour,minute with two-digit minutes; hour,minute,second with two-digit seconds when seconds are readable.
7,59
